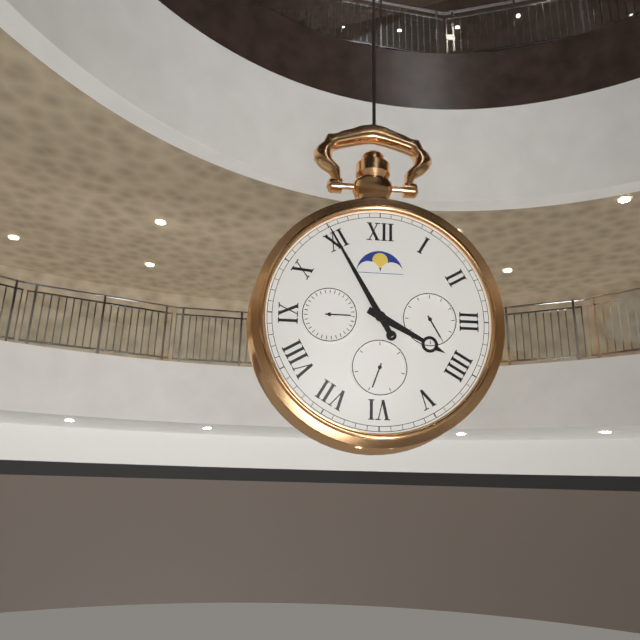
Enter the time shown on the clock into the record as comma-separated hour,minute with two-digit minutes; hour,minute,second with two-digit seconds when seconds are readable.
3,55
